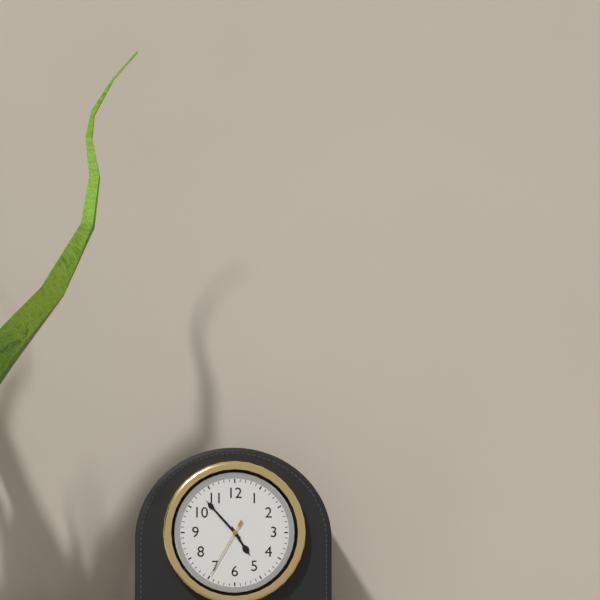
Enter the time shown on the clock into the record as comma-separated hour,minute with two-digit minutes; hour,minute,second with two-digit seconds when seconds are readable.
4,53,35
